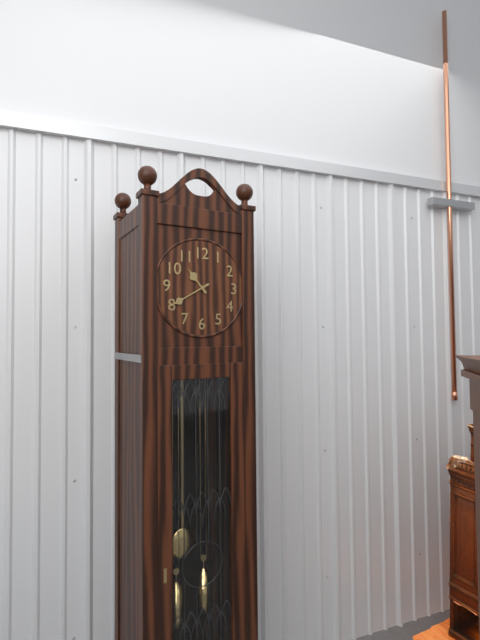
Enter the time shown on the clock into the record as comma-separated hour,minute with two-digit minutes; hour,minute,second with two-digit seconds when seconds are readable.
10,40
